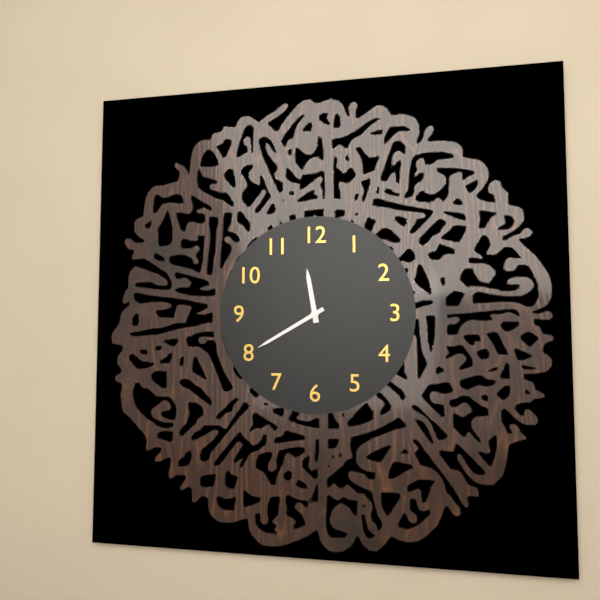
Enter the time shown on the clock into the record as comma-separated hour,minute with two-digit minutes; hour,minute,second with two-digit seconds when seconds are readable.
11,40
